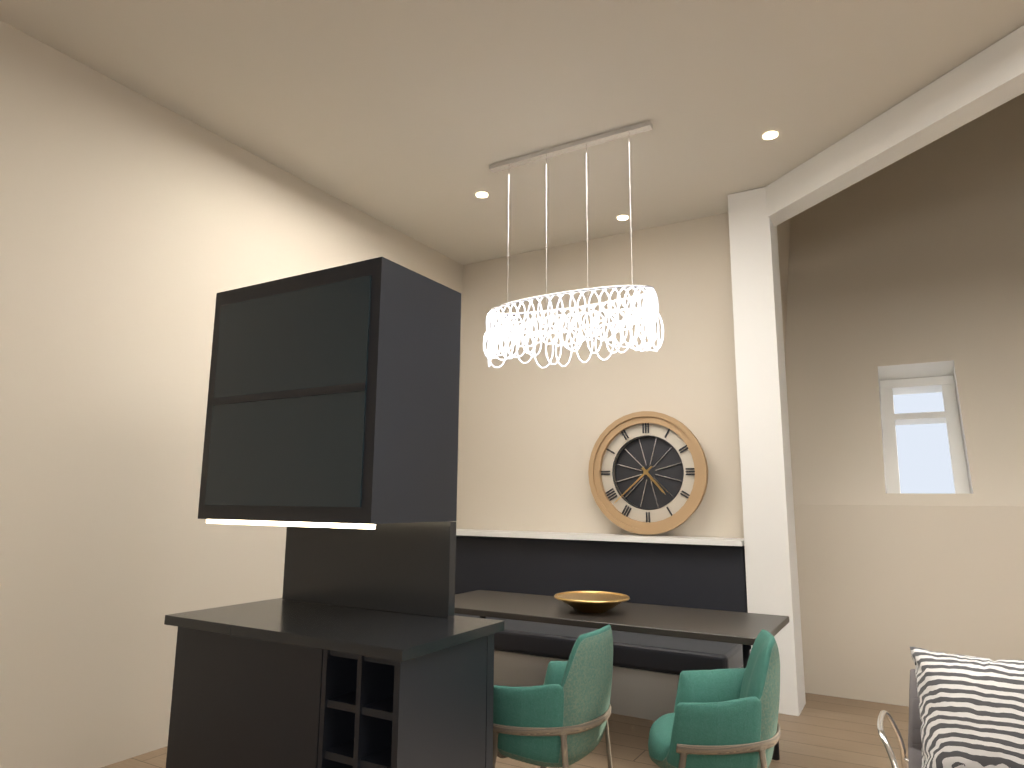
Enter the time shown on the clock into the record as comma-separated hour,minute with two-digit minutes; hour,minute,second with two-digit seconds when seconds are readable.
4,38
